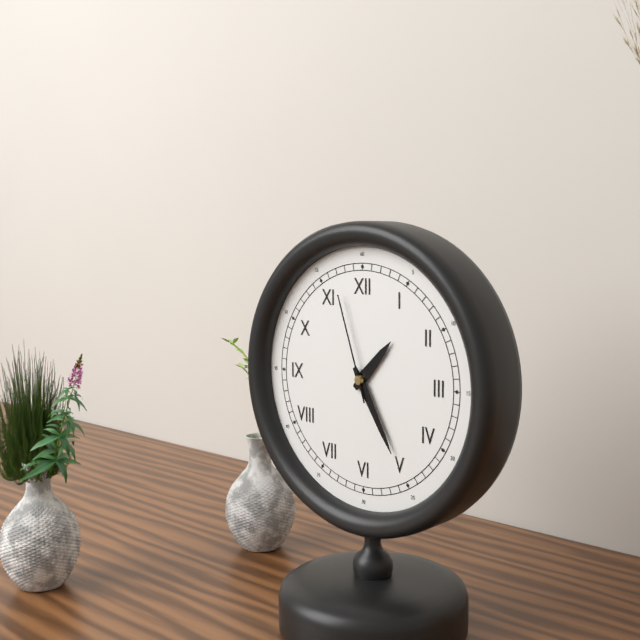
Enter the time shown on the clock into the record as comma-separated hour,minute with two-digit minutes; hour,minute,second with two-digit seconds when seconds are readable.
1,25,57
